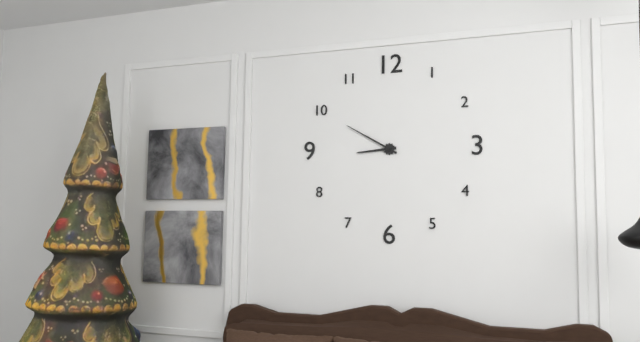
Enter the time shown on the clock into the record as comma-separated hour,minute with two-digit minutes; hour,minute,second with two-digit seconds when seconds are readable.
8,50
